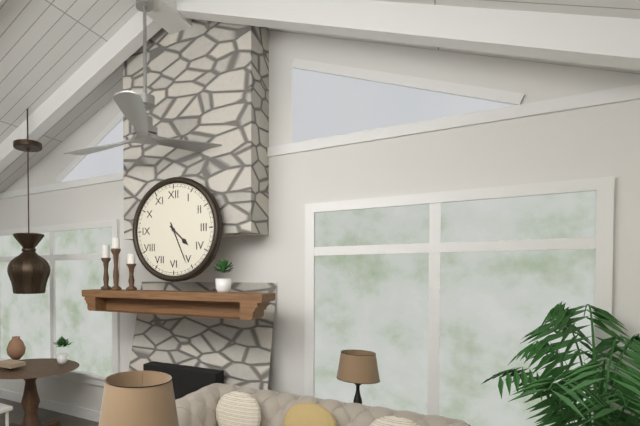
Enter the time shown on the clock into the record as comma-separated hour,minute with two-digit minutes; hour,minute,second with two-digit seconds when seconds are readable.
4,26
